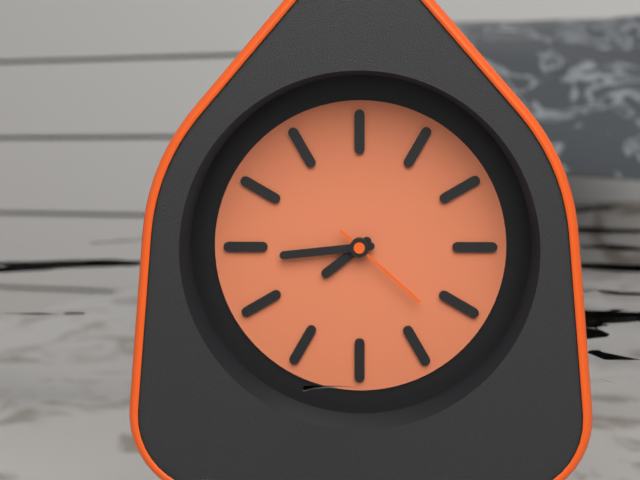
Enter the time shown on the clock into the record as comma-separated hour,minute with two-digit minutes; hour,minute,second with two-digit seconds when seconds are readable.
7,44,22
